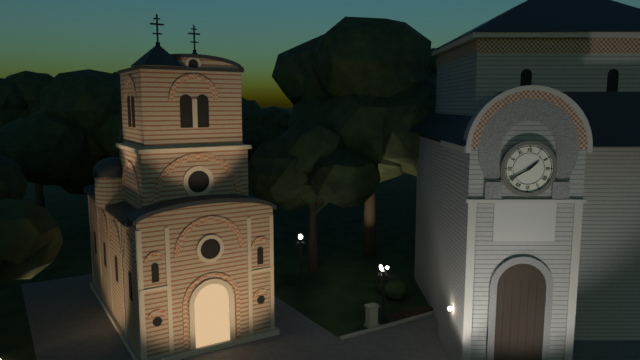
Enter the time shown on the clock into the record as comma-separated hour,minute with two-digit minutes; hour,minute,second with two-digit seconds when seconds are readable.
1,40
